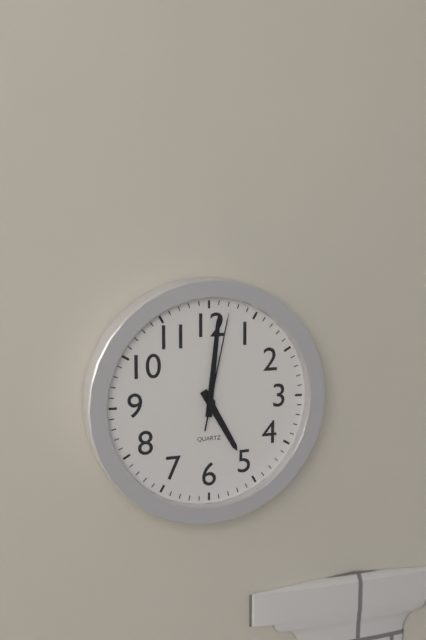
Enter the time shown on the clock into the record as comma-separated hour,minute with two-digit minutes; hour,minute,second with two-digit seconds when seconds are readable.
5,01,02
